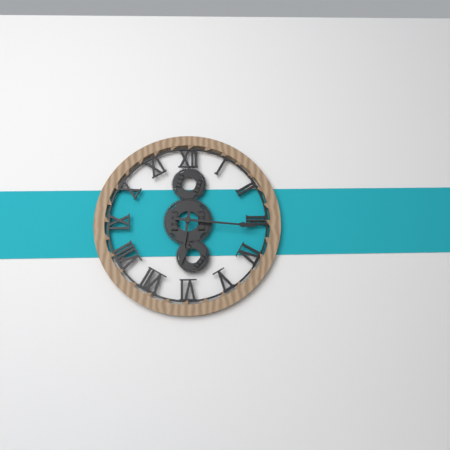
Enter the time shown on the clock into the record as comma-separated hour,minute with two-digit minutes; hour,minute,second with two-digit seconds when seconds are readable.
6,16
